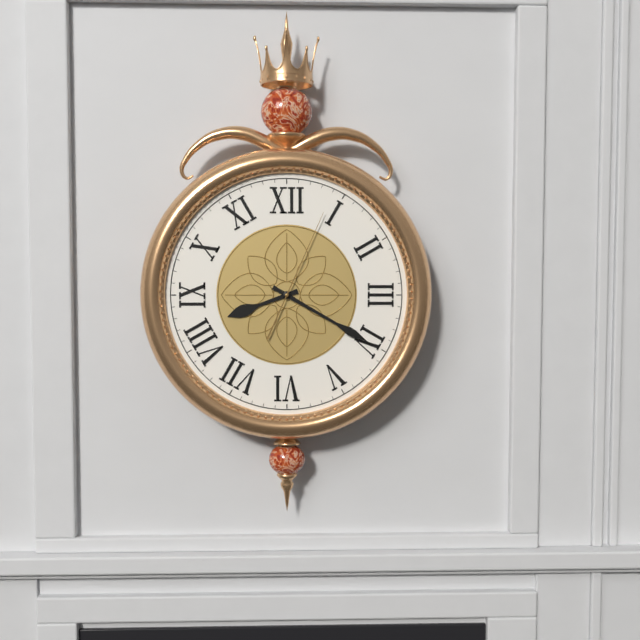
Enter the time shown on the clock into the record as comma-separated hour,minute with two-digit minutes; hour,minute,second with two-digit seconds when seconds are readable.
8,20,04
